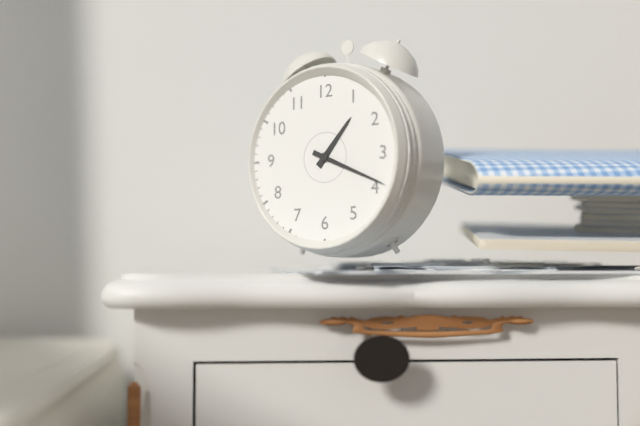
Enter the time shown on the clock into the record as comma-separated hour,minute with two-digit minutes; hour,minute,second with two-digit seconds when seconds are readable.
1,19
